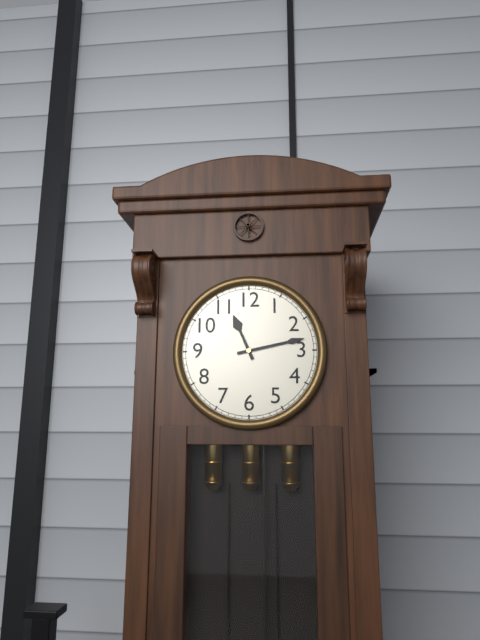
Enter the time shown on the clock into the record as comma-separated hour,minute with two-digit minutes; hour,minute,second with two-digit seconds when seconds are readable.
11,13
